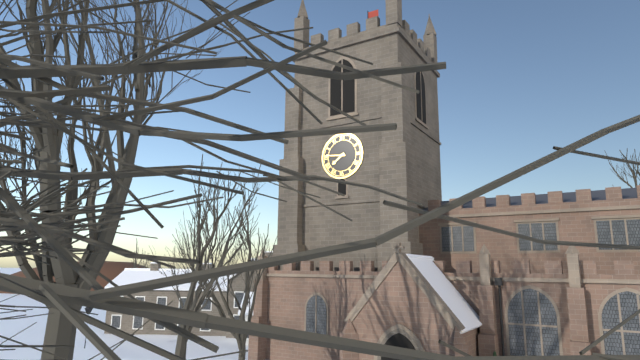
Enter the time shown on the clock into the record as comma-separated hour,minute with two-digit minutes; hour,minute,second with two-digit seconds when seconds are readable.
7,46
